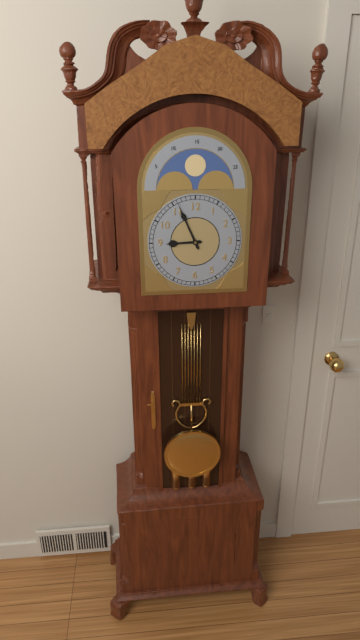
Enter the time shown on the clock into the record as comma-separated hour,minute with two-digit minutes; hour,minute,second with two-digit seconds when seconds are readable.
8,56
